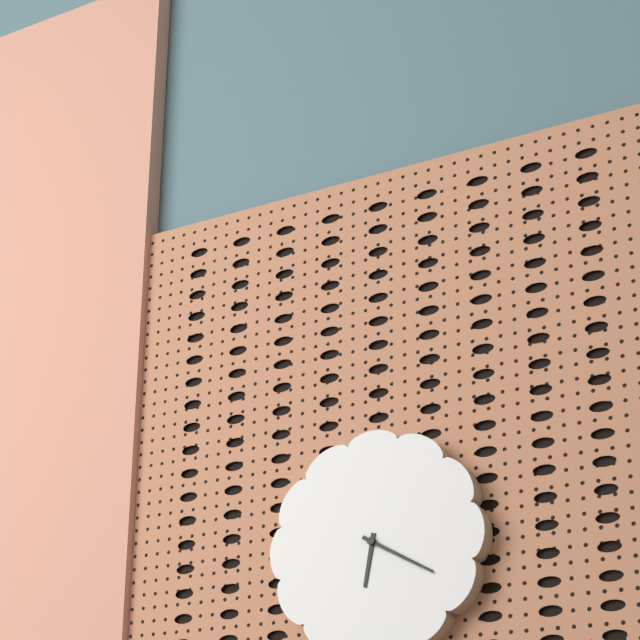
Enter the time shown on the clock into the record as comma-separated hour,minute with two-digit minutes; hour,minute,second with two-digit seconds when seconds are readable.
6,20
